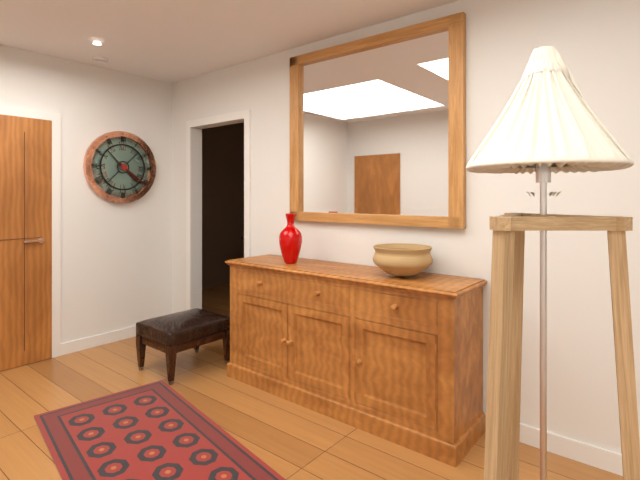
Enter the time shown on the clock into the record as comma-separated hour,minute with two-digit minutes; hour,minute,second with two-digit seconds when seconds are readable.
4,21
